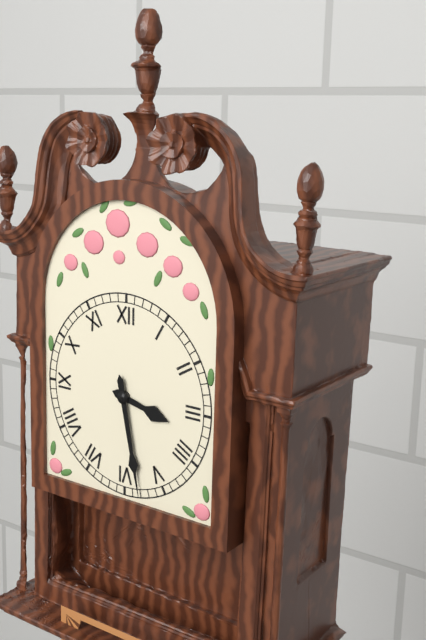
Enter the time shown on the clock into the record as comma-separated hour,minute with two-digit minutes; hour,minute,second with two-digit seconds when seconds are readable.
3,28
